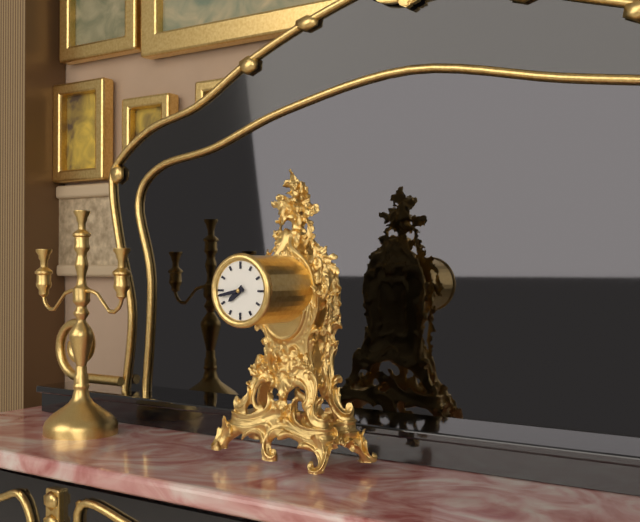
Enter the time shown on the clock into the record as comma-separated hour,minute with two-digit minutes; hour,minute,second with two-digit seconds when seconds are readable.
7,43
